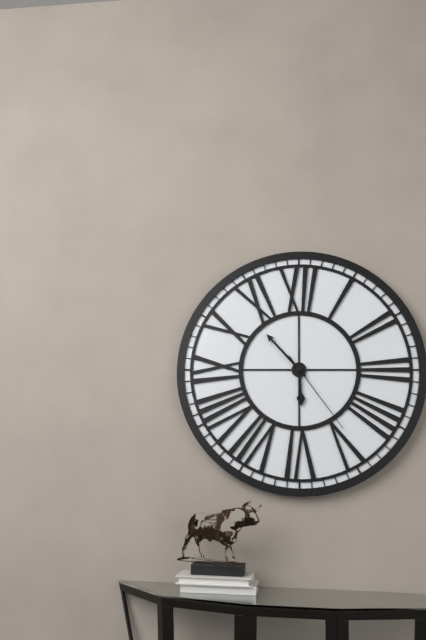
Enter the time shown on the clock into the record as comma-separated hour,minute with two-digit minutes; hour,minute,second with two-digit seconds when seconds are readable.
5,53,24
